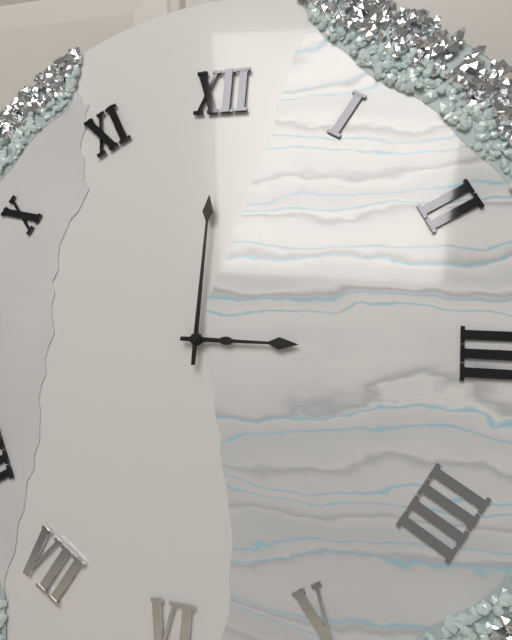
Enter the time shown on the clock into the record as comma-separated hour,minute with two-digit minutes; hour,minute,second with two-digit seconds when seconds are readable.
3,00
